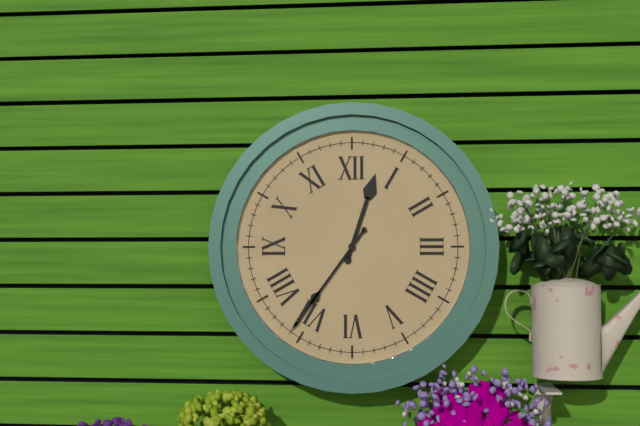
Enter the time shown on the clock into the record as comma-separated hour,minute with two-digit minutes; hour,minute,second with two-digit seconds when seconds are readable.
12,36
